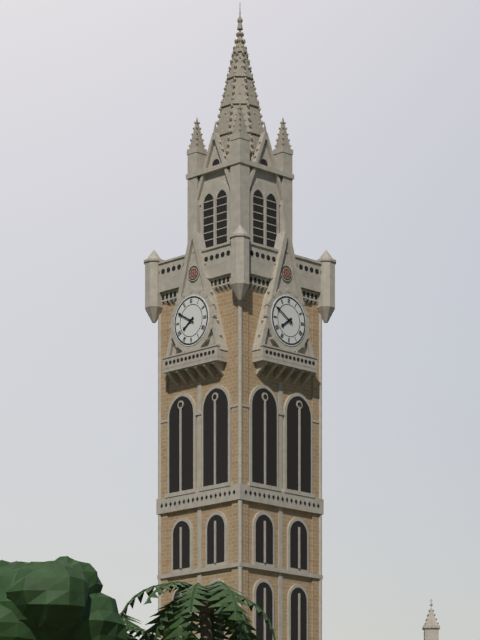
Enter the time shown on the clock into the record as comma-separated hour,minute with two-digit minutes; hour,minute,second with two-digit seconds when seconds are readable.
7,50
